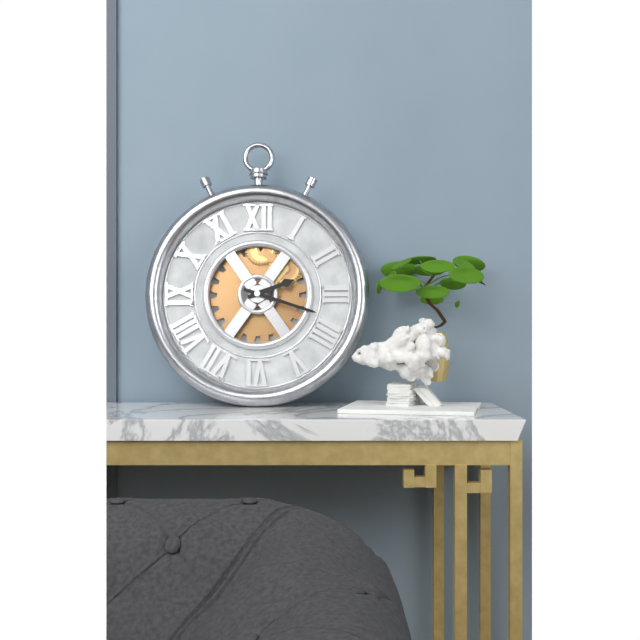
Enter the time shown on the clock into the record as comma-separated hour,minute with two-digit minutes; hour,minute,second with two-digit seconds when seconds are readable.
2,18
